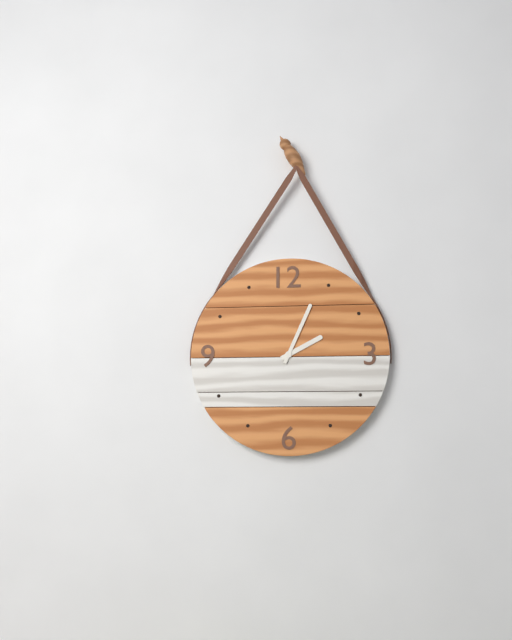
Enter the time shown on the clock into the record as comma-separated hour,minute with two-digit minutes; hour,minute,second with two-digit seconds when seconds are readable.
2,04
